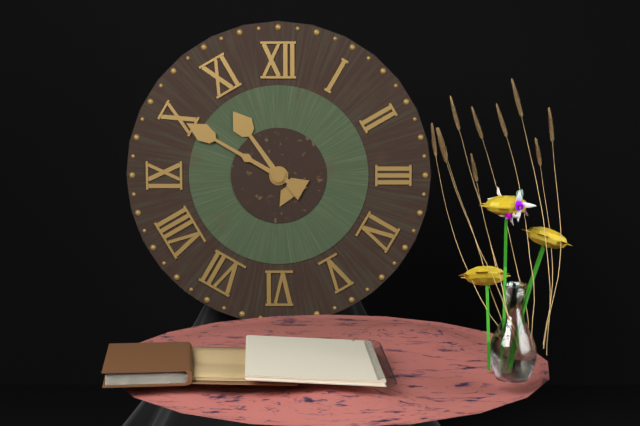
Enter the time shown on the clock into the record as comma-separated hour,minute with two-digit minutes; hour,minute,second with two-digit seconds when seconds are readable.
10,50
